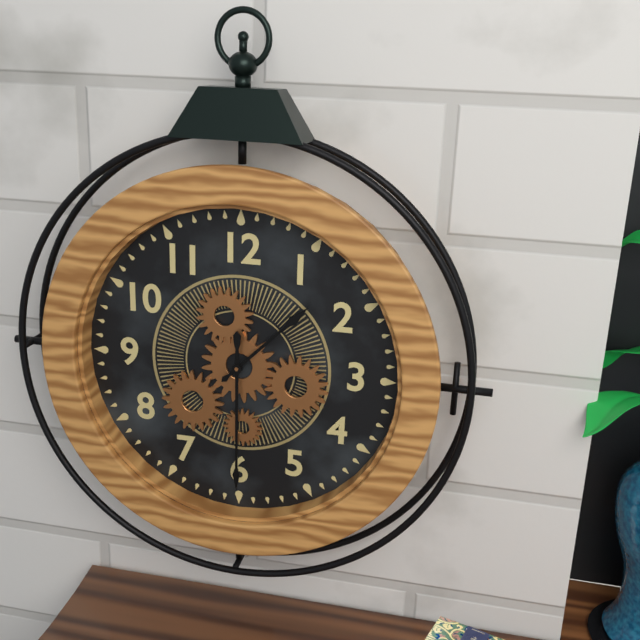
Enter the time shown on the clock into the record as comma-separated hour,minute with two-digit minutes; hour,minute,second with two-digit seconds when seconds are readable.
1,30
